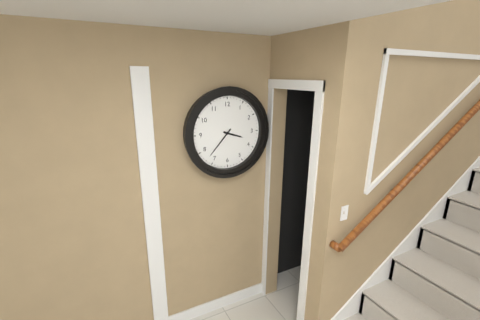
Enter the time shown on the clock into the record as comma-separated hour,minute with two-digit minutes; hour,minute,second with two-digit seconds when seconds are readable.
3,37
